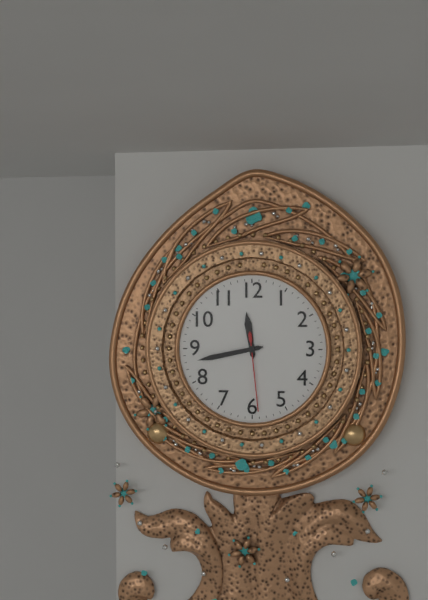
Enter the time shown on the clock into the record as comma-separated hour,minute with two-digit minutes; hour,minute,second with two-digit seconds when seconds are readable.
11,43,29
